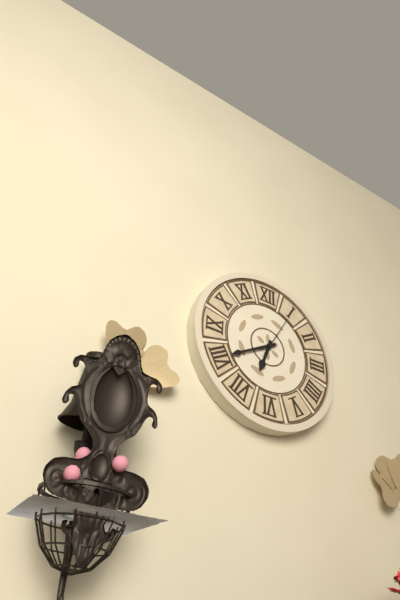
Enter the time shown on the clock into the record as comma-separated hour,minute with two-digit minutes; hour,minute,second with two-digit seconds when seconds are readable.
6,40
